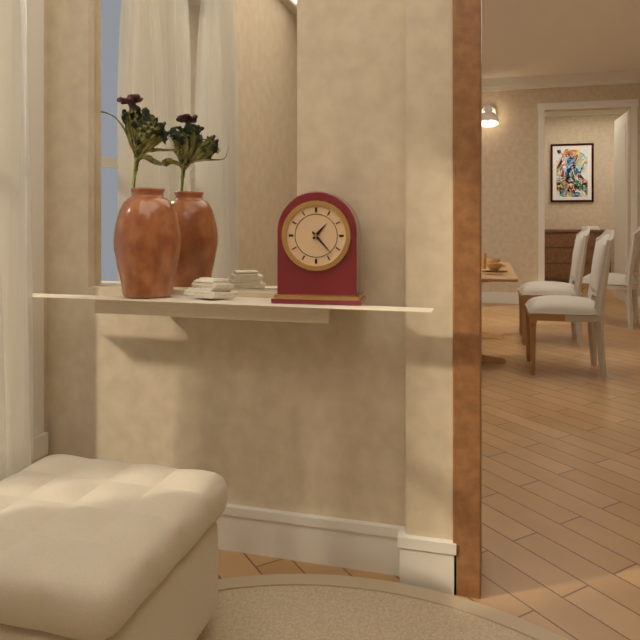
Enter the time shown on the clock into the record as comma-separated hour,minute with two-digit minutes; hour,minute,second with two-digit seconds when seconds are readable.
1,23
